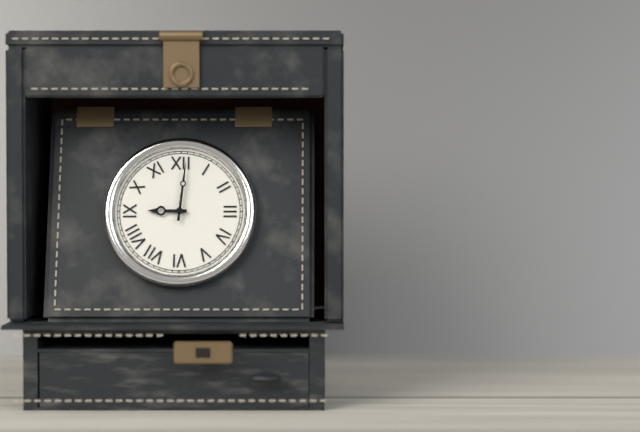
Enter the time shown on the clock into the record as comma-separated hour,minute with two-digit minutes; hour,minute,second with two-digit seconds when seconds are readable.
9,01
